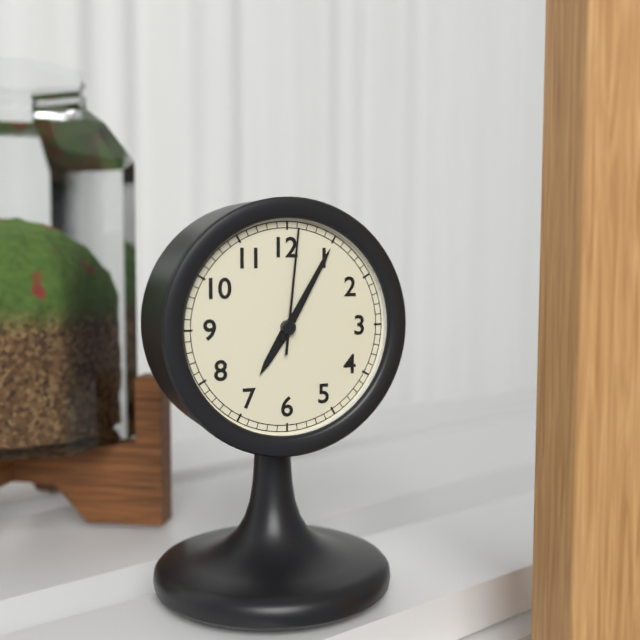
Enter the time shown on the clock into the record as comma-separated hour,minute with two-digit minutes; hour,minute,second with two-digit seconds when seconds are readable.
7,05,01
